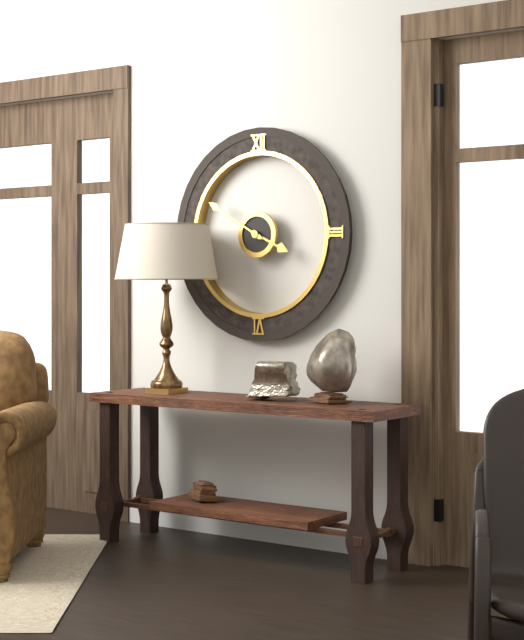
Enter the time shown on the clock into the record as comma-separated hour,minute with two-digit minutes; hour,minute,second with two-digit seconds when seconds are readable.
3,50
